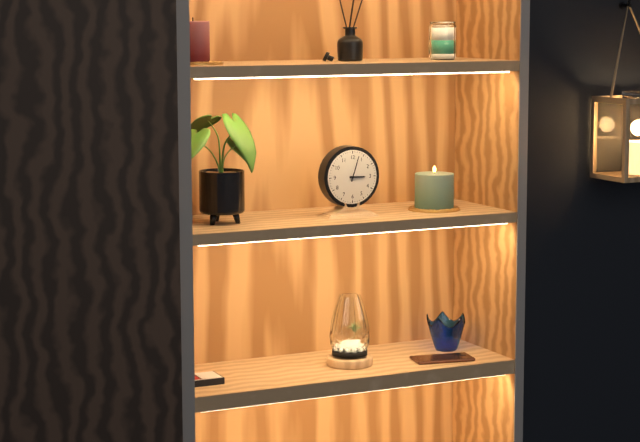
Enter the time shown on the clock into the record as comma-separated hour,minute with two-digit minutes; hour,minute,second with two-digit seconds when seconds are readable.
3,03
